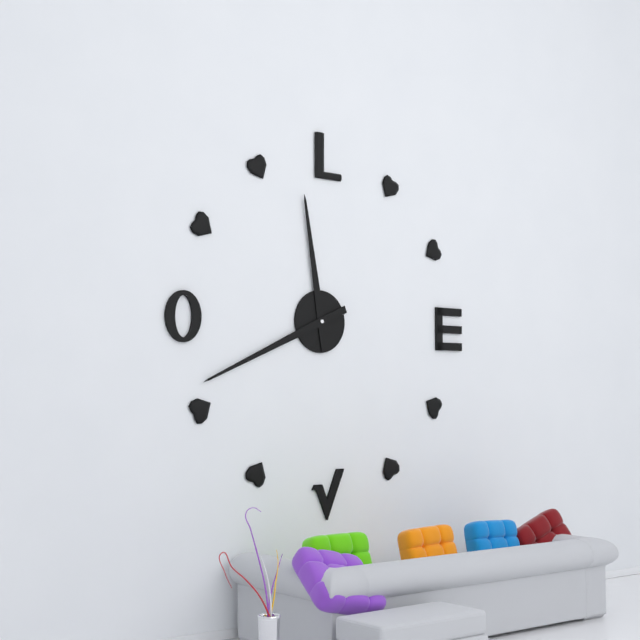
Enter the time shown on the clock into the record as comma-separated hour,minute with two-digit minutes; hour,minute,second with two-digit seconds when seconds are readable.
11,41
